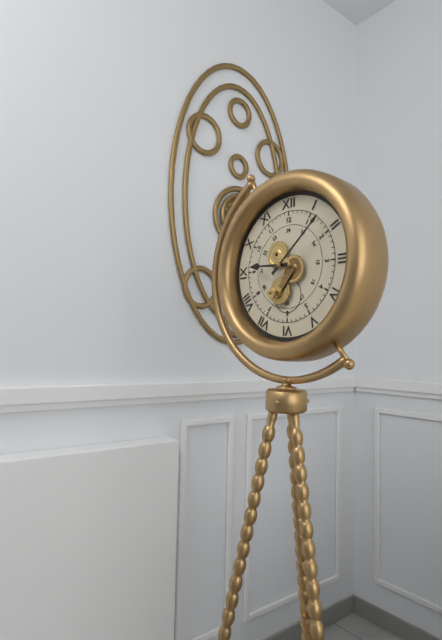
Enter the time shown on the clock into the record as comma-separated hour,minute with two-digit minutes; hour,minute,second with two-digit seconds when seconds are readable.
9,08
